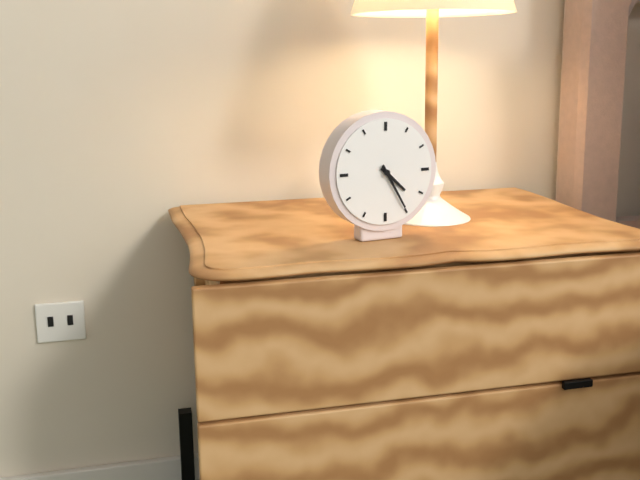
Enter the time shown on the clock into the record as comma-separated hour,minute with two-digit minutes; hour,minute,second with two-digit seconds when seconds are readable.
4,25
